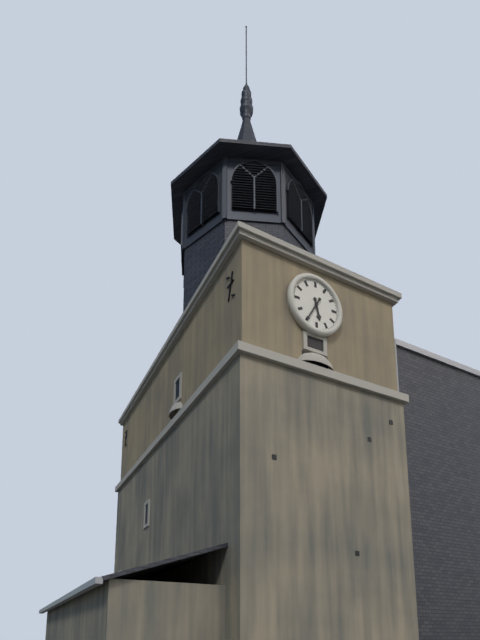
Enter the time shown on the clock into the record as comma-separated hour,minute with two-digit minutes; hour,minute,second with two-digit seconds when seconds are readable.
5,35
